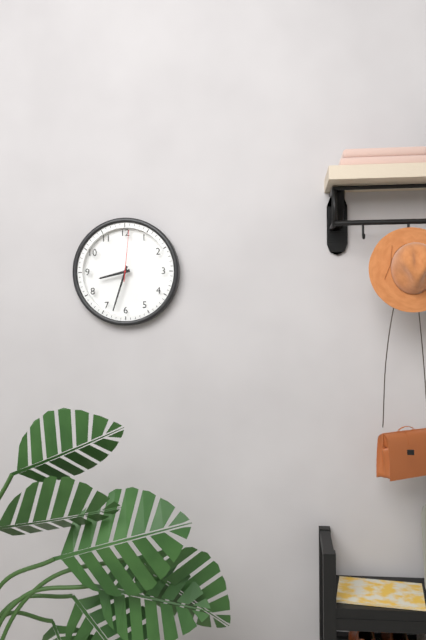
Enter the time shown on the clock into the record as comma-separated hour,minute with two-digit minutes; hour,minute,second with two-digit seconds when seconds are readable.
8,33,01
